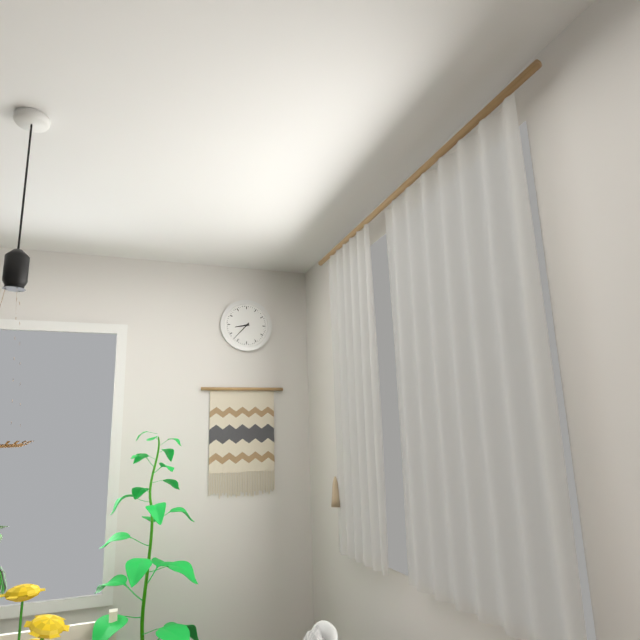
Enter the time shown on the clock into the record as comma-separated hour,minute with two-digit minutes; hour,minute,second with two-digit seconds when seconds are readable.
8,37
